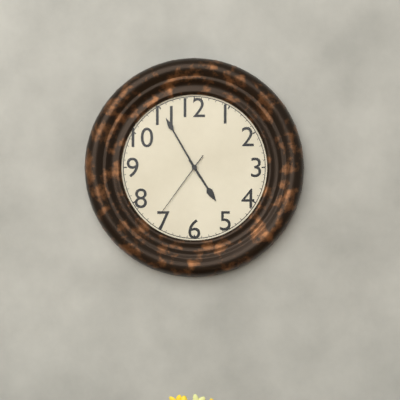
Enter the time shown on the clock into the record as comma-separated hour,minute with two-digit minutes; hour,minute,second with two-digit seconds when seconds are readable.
4,55,36
